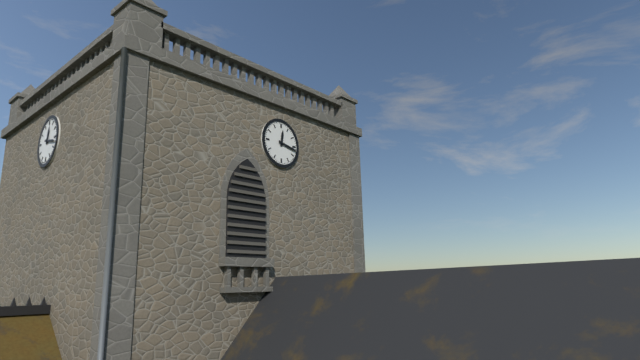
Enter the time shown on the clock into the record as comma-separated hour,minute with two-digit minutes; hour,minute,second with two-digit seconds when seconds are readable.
12,17
